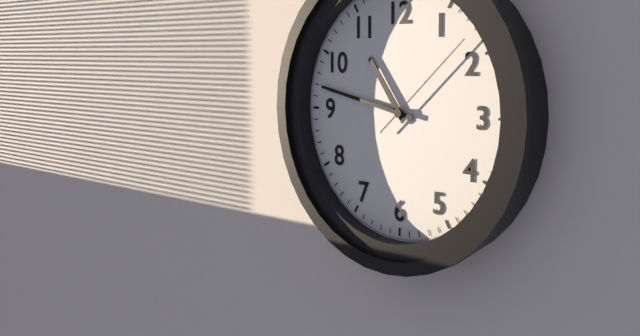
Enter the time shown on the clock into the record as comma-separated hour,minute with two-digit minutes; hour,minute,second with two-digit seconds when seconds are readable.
10,47,08
